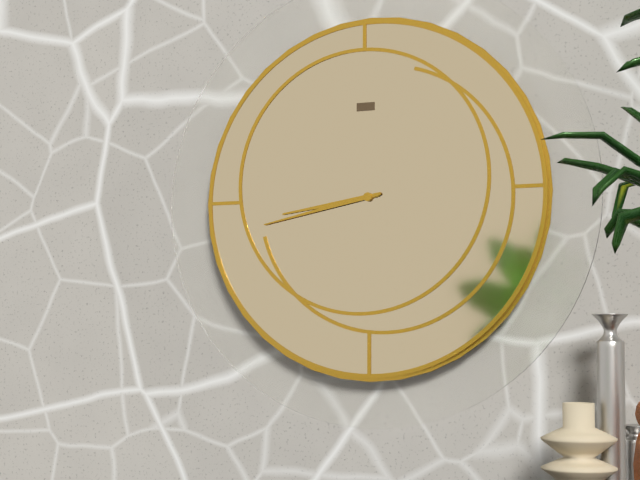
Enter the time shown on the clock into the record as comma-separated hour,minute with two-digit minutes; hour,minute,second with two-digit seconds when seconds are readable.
8,43
